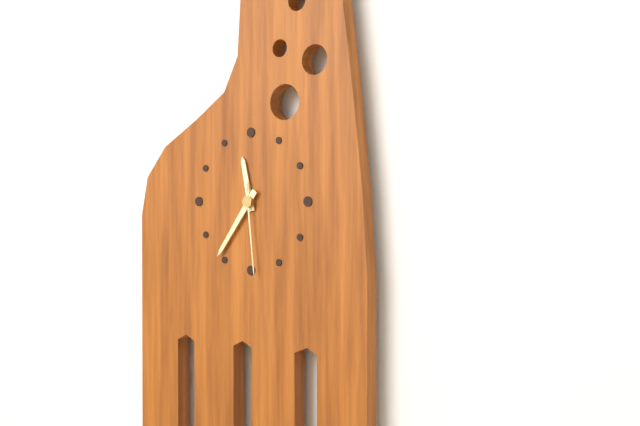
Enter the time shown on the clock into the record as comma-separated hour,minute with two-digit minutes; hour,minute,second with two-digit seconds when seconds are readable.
11,36,29
